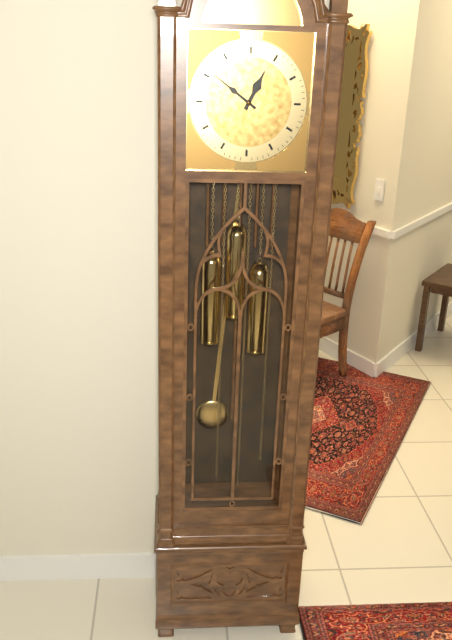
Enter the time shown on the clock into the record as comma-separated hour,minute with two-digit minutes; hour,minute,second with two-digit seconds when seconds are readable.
12,51
